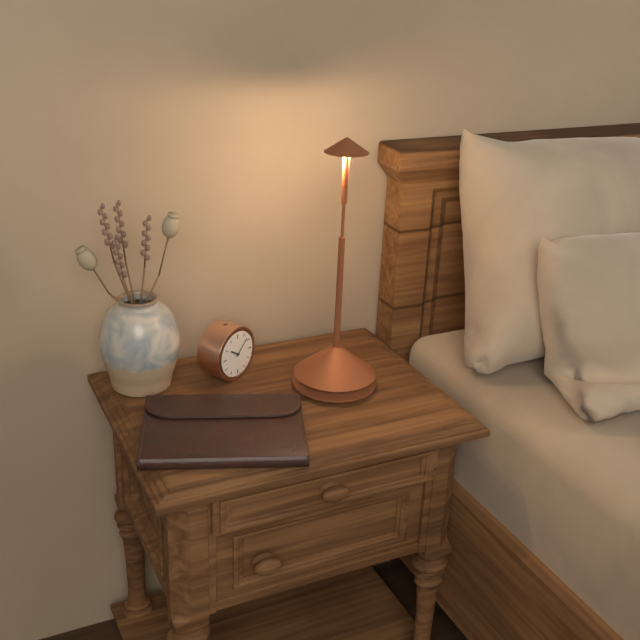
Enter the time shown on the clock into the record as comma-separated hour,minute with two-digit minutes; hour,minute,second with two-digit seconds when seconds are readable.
10,08
